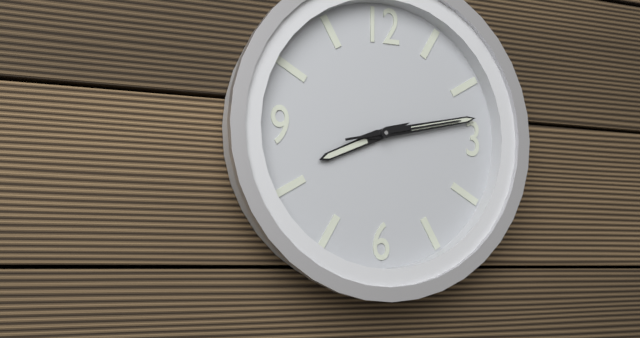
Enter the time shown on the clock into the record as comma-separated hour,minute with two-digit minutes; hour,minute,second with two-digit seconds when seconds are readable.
8,13,13
